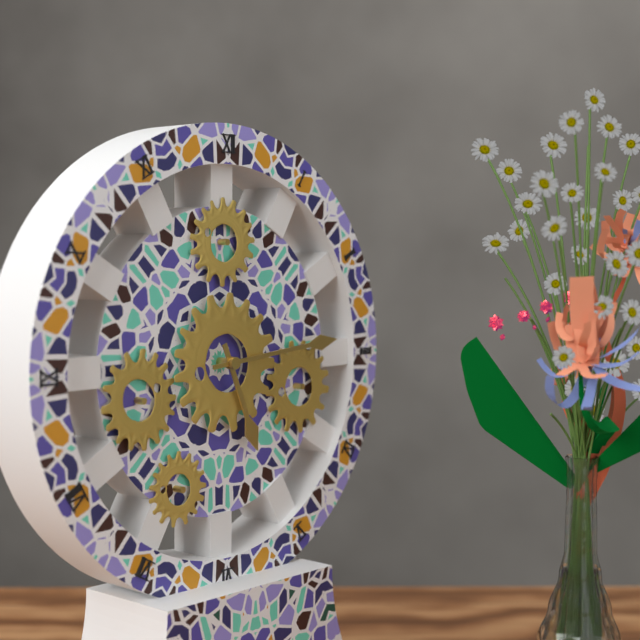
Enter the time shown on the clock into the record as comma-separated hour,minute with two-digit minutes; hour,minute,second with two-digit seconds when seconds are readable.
5,14
